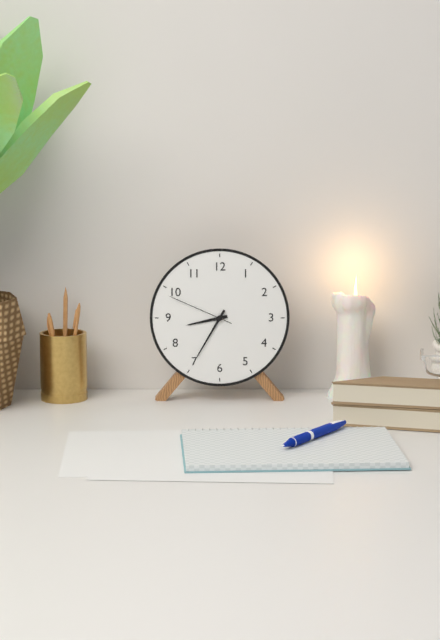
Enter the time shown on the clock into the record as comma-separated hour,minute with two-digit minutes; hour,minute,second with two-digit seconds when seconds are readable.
8,35,49
